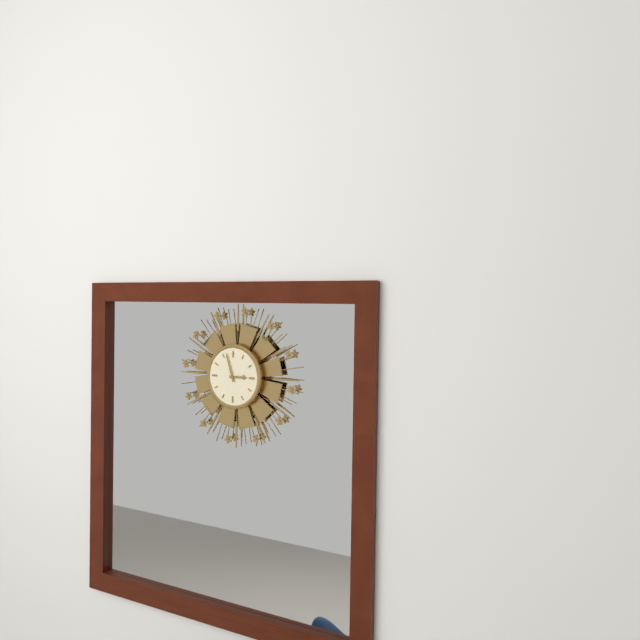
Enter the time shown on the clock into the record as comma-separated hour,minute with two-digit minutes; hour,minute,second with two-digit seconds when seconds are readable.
2,57
